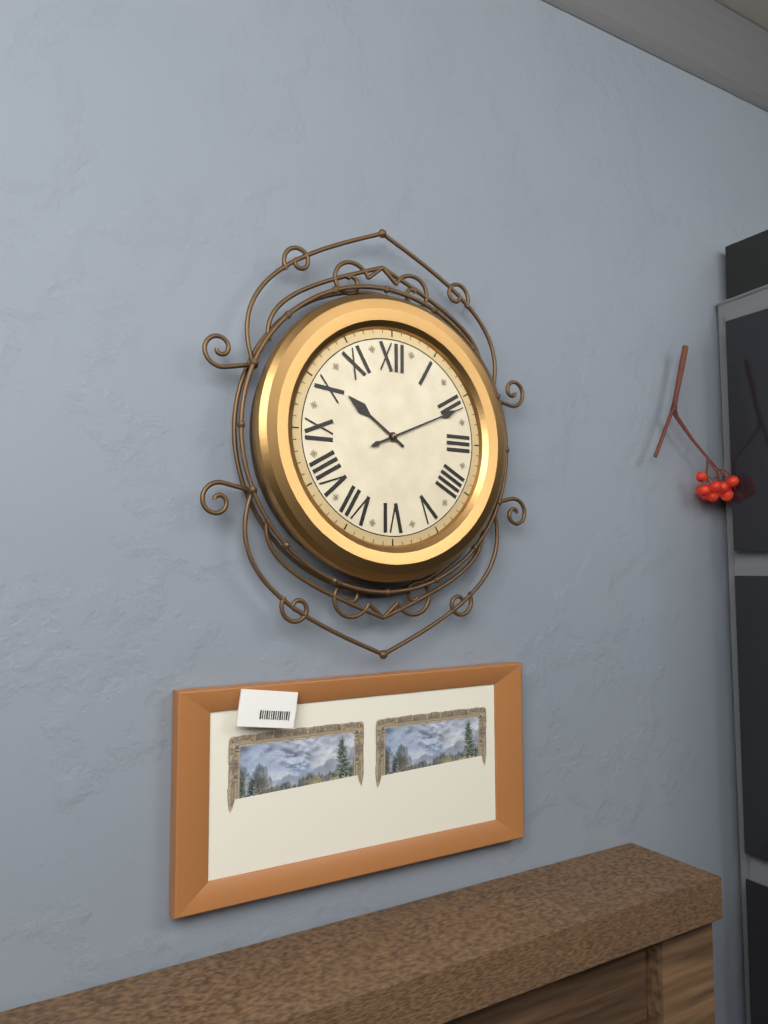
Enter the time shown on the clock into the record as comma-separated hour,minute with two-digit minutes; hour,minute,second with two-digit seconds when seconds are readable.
10,11
